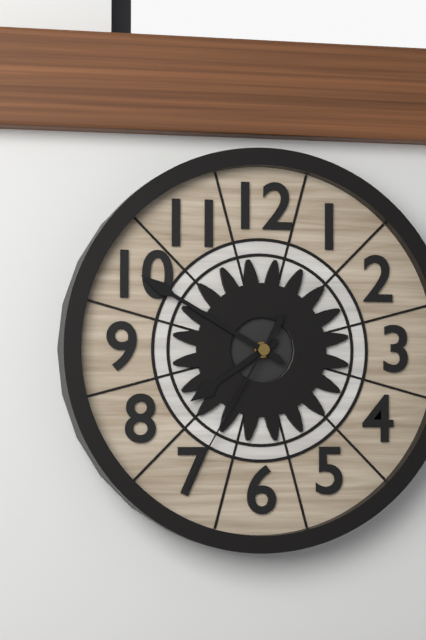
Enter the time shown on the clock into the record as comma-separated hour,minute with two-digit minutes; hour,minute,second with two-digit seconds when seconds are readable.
7,50,35
